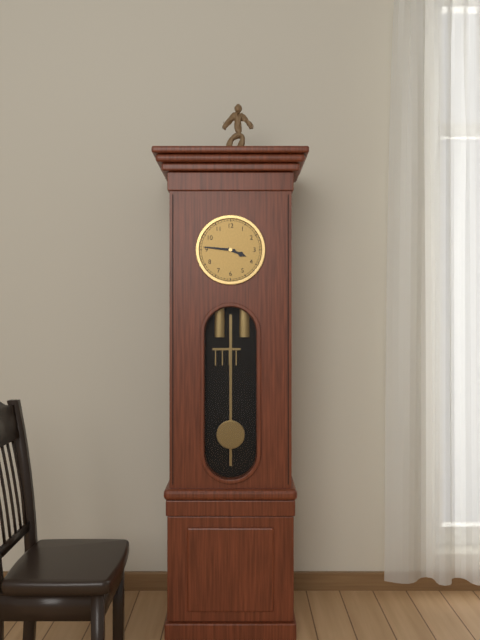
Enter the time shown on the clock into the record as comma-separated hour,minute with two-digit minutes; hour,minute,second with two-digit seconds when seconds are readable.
3,46
